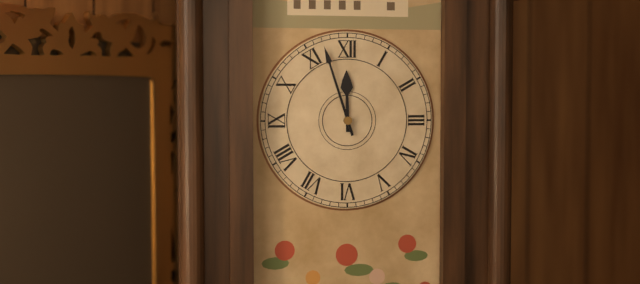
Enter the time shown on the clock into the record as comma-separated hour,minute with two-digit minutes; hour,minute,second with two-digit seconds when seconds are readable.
11,57
